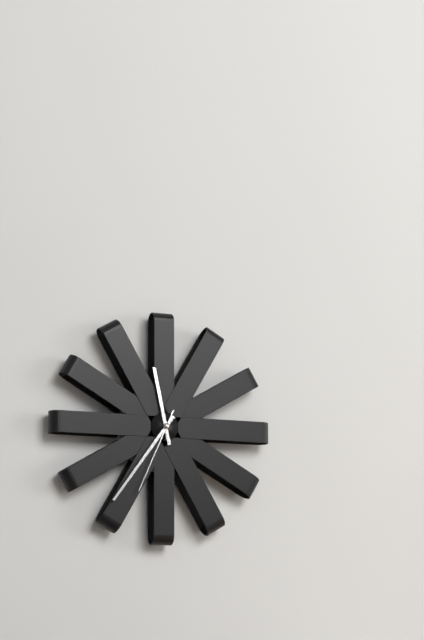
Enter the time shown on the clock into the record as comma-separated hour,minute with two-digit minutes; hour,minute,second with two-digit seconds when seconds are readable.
11,36,34
